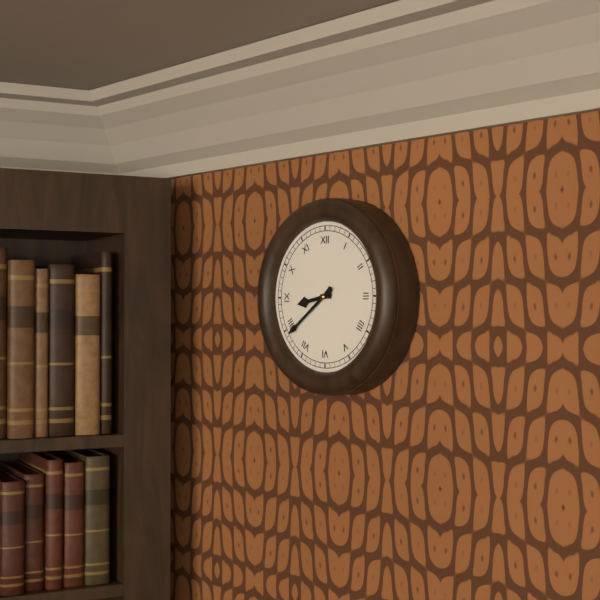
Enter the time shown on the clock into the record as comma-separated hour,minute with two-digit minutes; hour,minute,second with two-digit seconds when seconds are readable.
8,39
